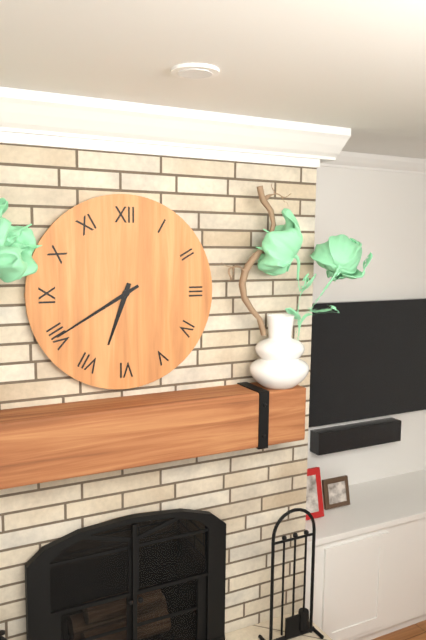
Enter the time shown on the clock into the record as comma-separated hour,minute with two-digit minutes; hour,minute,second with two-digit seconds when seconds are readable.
6,40
